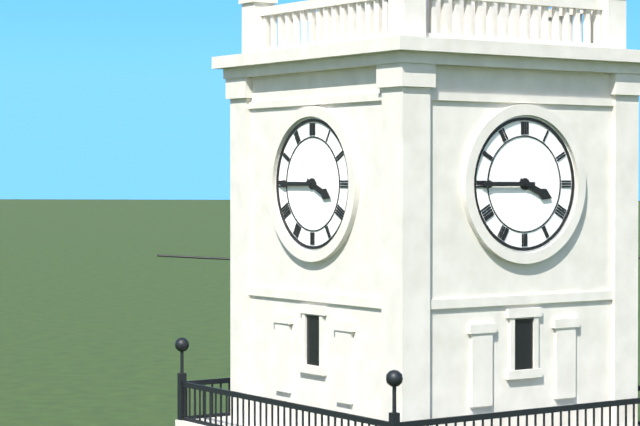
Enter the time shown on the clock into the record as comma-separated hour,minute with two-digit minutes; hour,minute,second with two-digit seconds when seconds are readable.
3,45
